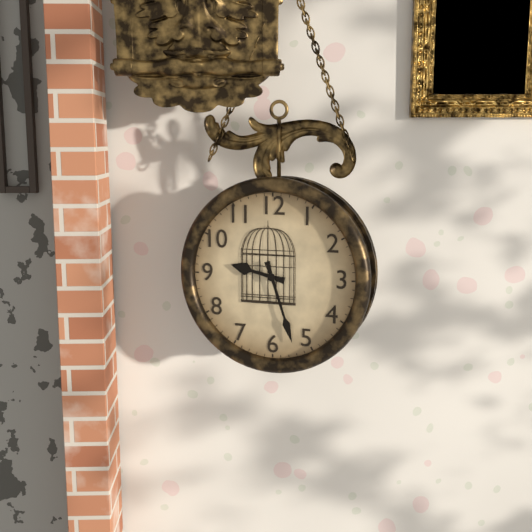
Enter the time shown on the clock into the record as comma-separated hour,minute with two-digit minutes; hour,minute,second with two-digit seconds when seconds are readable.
9,27
